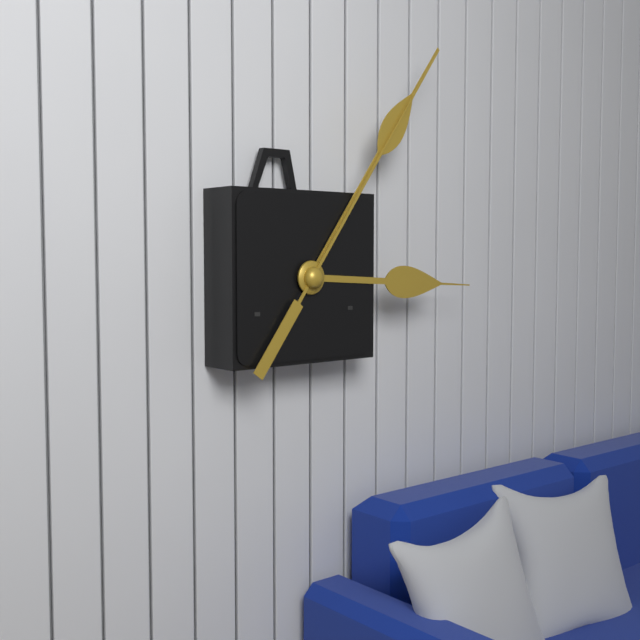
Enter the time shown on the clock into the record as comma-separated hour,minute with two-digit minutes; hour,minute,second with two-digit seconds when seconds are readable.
3,06,06
